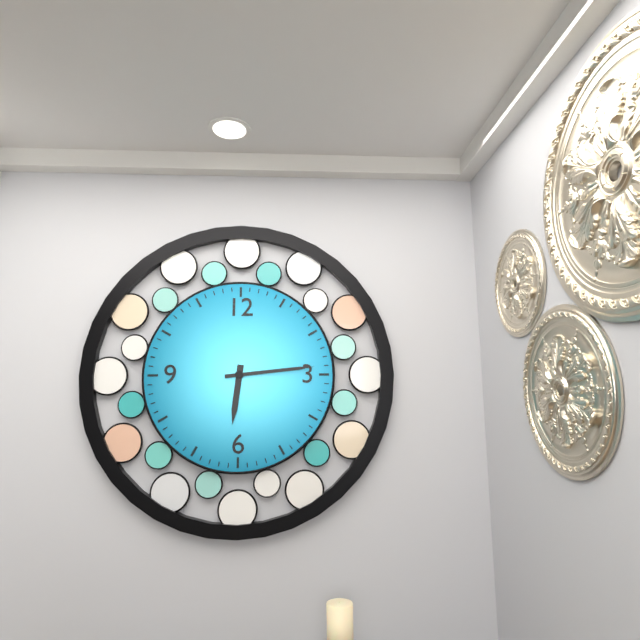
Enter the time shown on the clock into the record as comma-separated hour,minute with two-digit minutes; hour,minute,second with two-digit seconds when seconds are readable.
6,14
